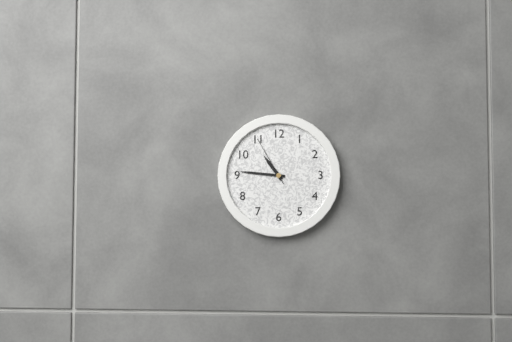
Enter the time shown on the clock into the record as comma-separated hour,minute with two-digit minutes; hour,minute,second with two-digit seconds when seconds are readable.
10,46,55
